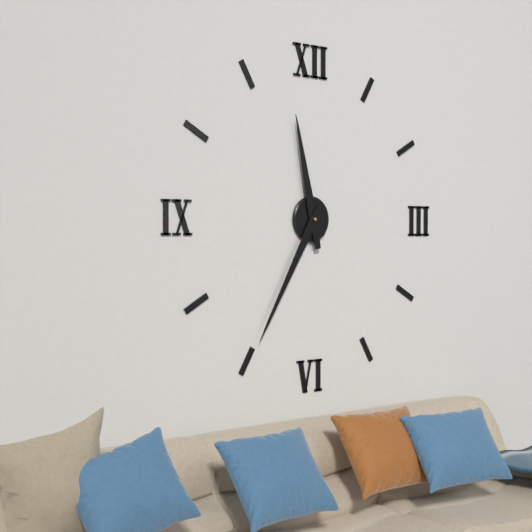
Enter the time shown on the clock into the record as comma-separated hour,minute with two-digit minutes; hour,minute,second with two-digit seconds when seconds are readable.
11,35
